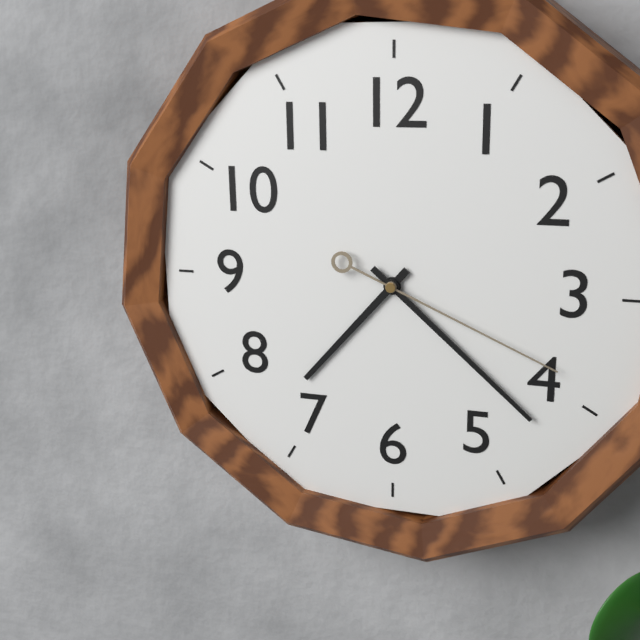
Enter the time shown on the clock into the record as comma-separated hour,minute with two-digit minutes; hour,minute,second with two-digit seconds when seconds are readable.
7,22,19
